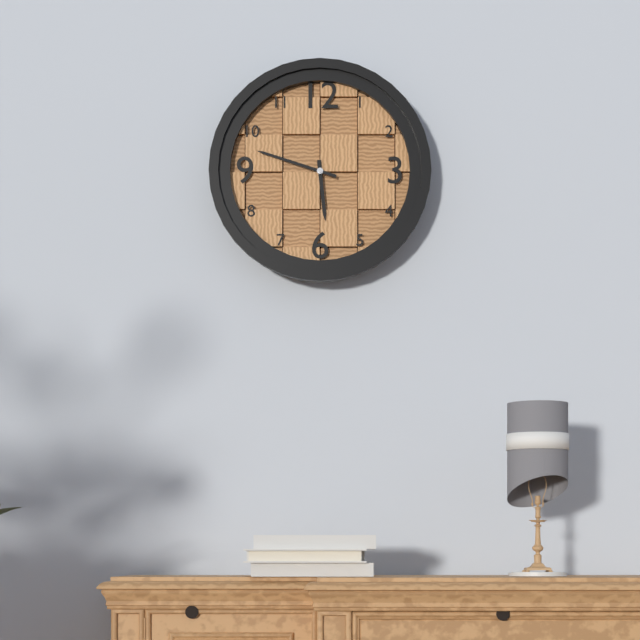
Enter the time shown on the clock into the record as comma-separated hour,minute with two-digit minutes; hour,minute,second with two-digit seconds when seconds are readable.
5,48
